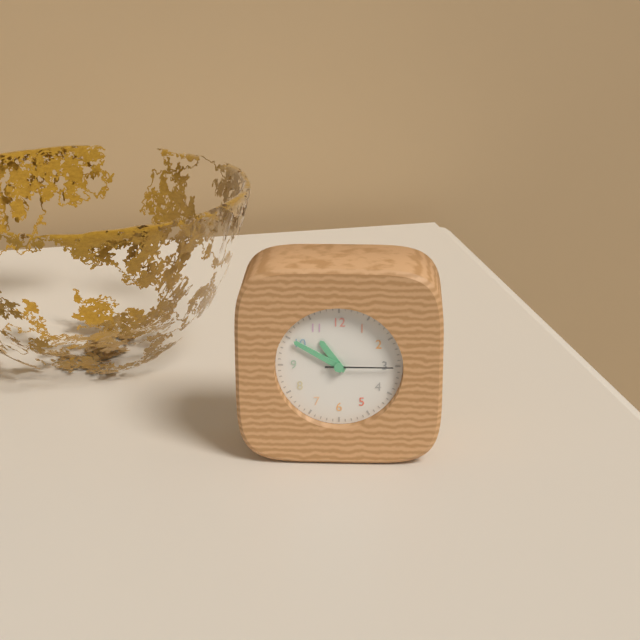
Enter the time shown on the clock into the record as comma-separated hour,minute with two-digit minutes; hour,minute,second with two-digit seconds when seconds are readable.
10,50,15
